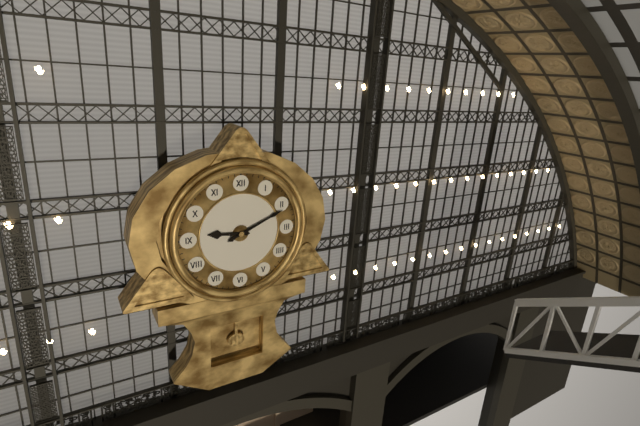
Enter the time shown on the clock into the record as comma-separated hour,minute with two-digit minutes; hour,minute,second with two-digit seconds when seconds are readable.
9,11
